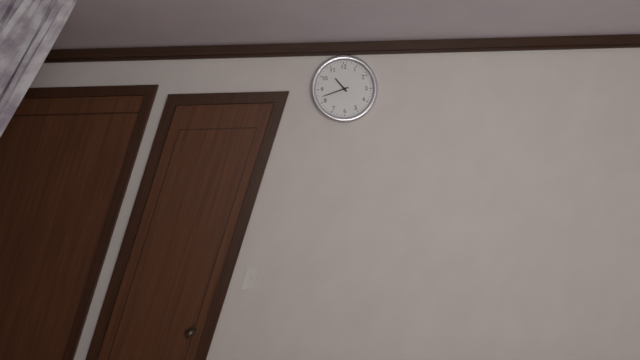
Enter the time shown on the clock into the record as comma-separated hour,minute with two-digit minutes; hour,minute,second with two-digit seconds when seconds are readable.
10,42
